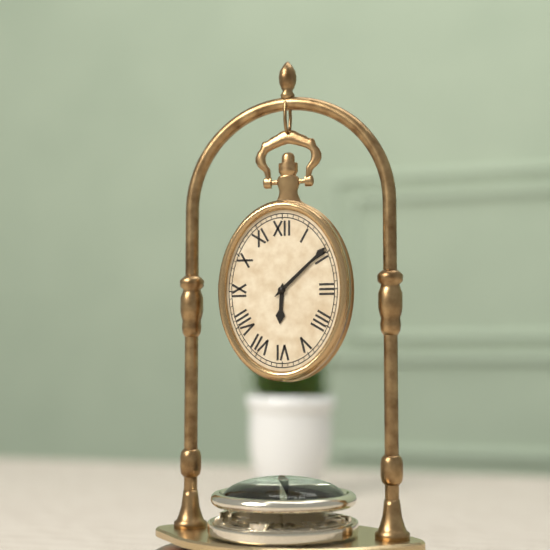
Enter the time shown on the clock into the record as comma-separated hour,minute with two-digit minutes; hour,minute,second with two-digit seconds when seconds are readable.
6,08
